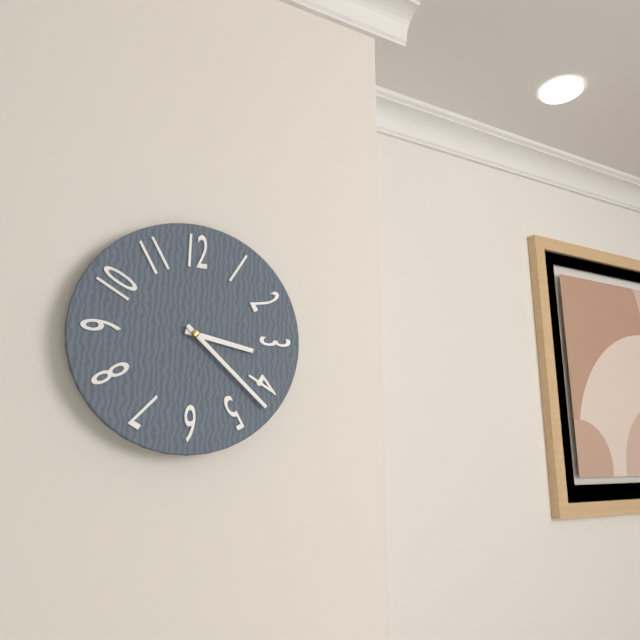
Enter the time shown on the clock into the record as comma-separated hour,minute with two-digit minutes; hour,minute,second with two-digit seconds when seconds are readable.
3,22
